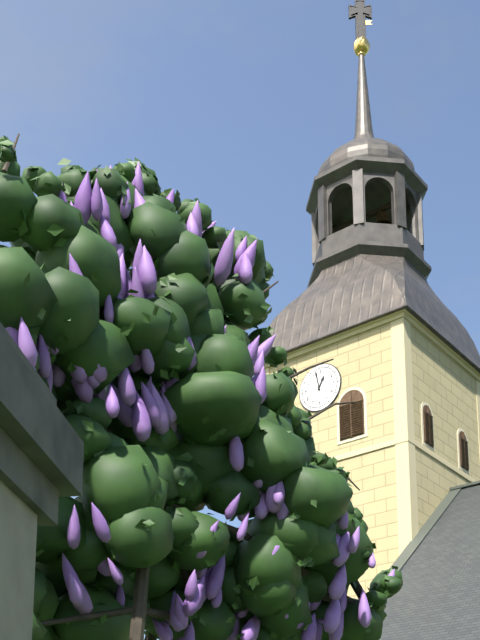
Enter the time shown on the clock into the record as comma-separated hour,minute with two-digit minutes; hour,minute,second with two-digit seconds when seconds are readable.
12,58
